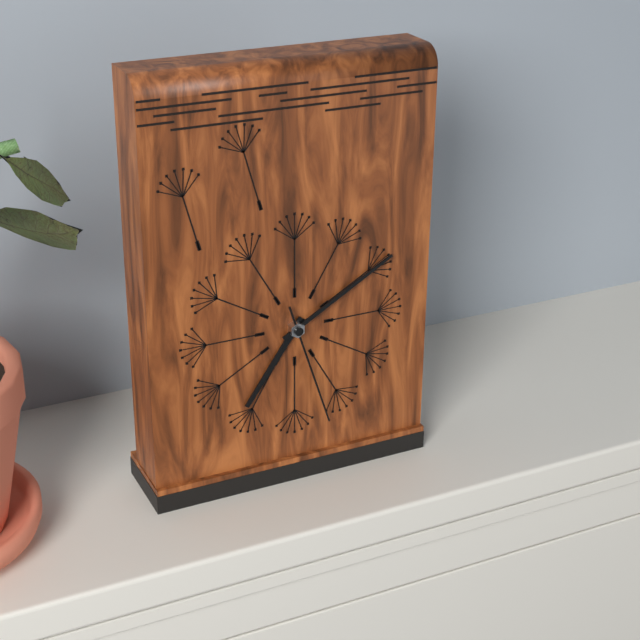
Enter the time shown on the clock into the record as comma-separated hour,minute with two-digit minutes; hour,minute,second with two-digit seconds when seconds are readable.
7,10,27
